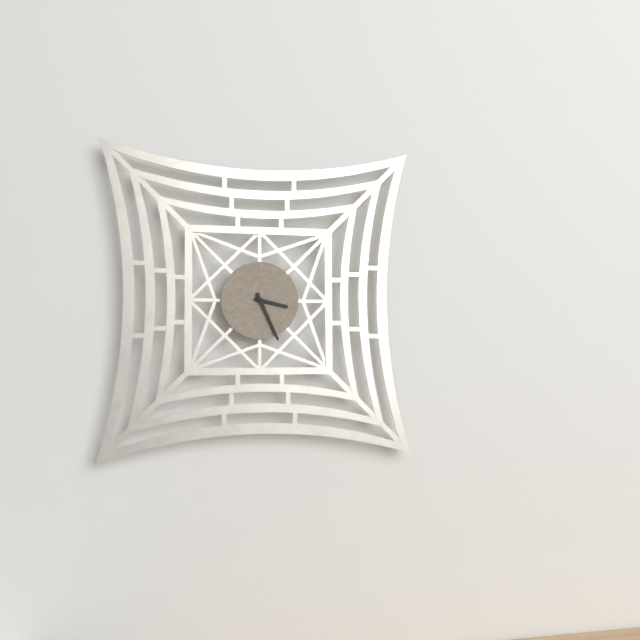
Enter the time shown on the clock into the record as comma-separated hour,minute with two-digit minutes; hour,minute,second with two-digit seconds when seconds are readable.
3,26
